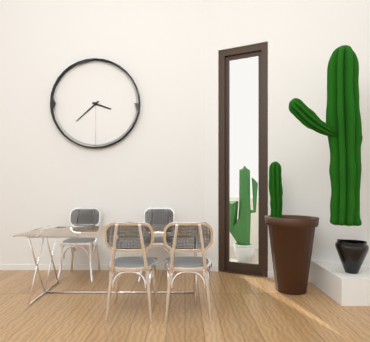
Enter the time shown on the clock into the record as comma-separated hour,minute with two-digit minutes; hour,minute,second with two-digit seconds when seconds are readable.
3,38
